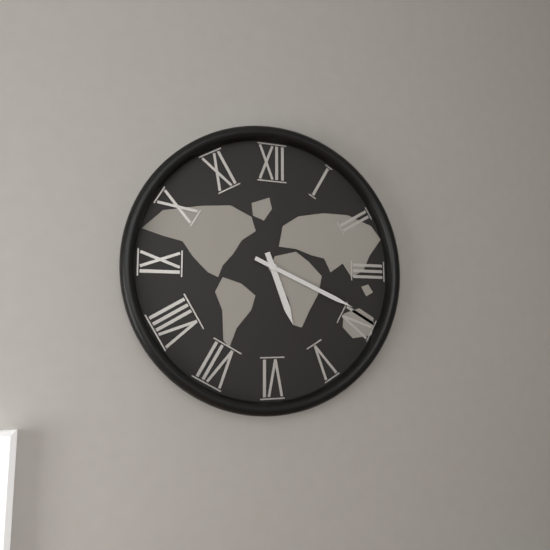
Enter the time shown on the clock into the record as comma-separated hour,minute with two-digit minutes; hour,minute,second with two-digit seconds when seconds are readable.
5,19
